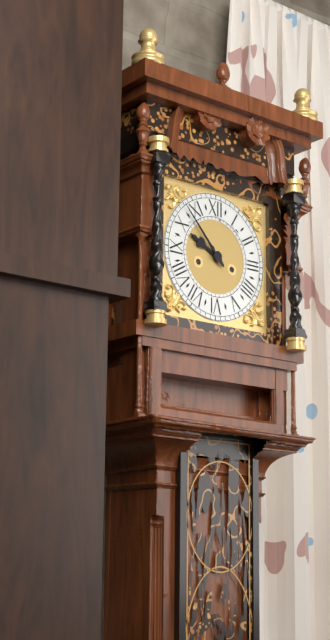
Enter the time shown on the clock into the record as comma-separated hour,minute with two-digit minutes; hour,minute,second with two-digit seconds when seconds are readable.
9,53
